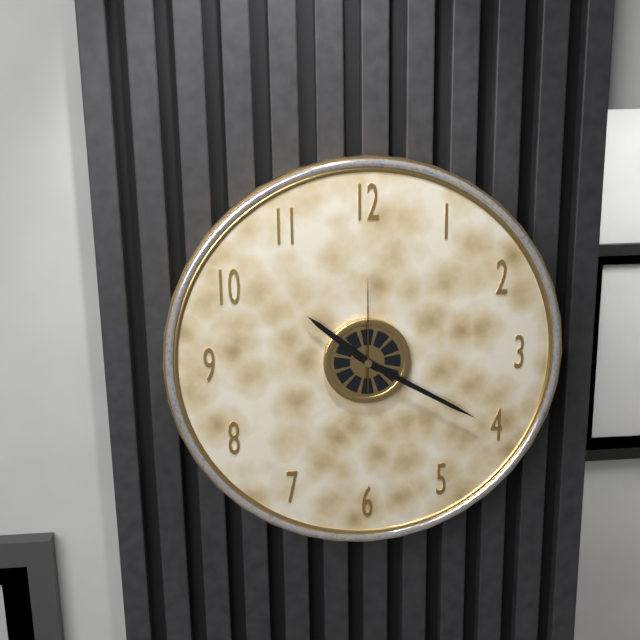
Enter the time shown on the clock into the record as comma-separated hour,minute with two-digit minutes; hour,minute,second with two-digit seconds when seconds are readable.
10,20,00
